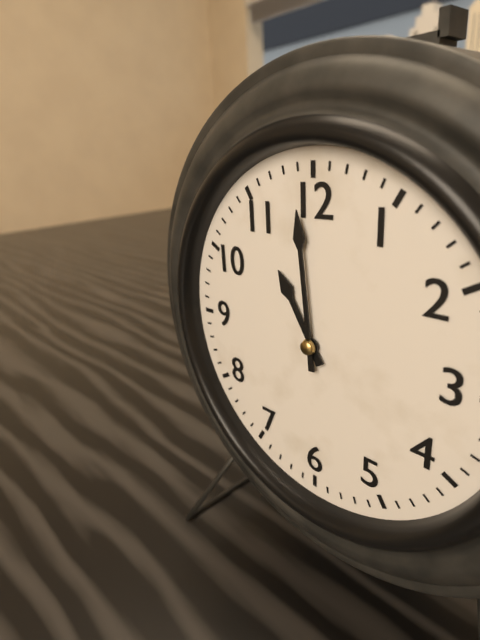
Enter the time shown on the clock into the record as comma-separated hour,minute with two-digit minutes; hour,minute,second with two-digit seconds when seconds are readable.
10,59
